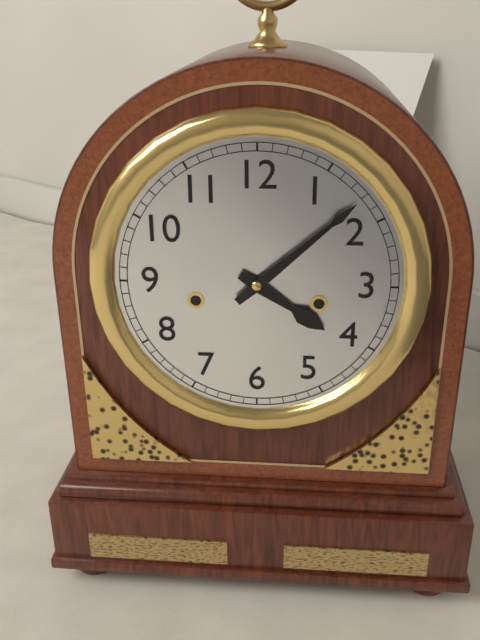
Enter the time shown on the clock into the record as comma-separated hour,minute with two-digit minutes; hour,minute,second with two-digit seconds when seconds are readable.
4,08
